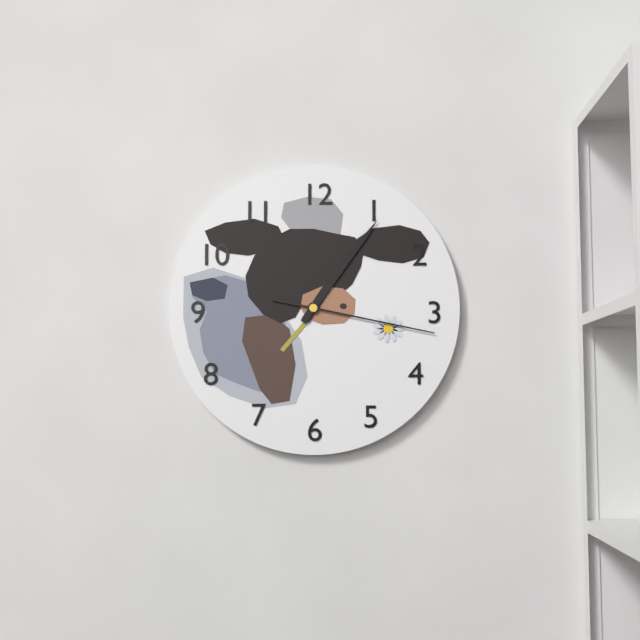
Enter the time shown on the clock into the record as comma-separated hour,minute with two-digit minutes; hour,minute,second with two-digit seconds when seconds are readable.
1,06,17
